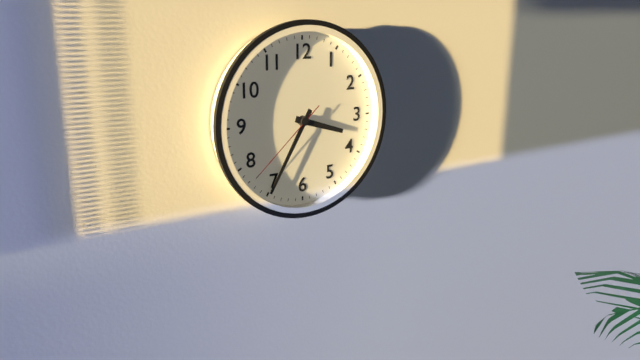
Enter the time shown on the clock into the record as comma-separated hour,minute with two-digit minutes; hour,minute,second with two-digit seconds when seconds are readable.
3,35,38
